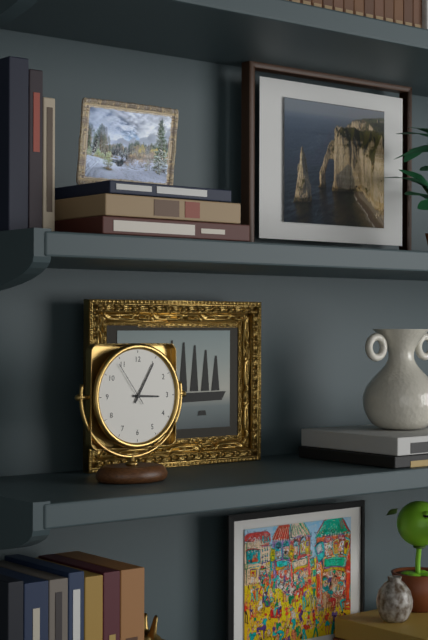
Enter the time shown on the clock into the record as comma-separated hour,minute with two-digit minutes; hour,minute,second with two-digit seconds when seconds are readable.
3,05
